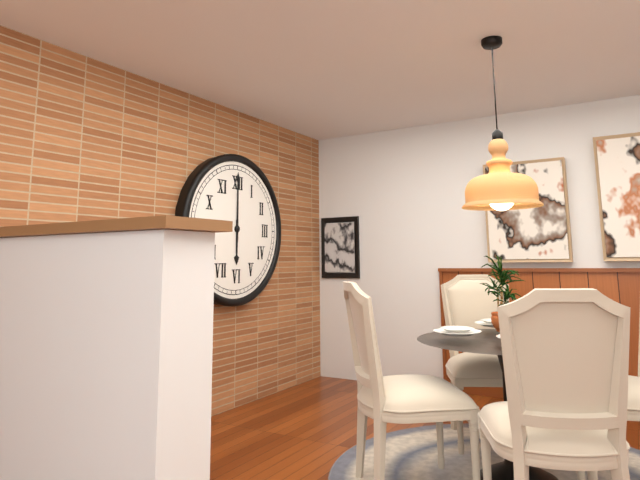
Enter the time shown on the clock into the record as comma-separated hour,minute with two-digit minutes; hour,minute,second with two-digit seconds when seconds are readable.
6,00
